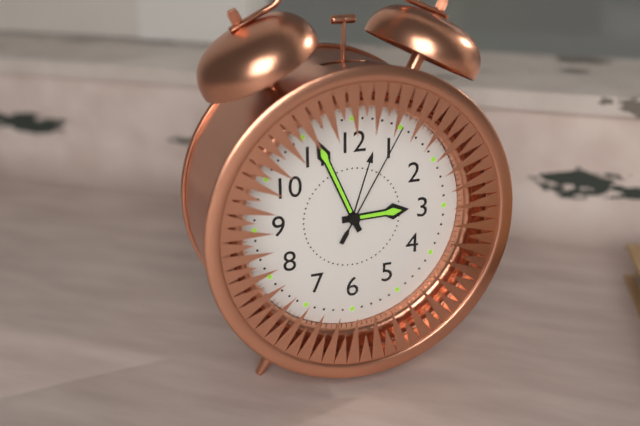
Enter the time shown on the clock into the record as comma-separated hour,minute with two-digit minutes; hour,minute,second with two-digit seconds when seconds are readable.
2,56,05
